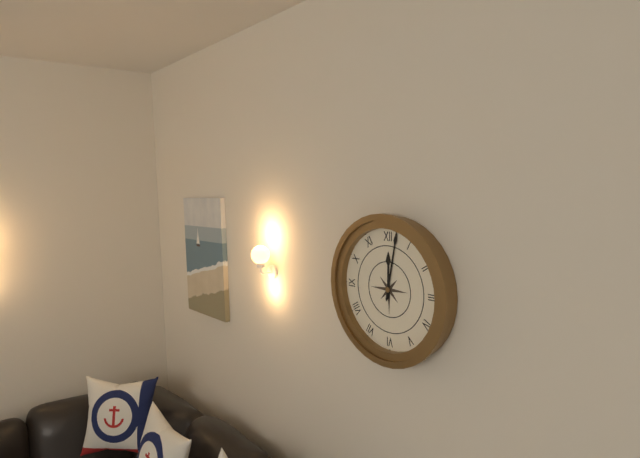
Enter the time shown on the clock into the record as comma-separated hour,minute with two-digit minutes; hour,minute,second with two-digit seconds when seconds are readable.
12,02
